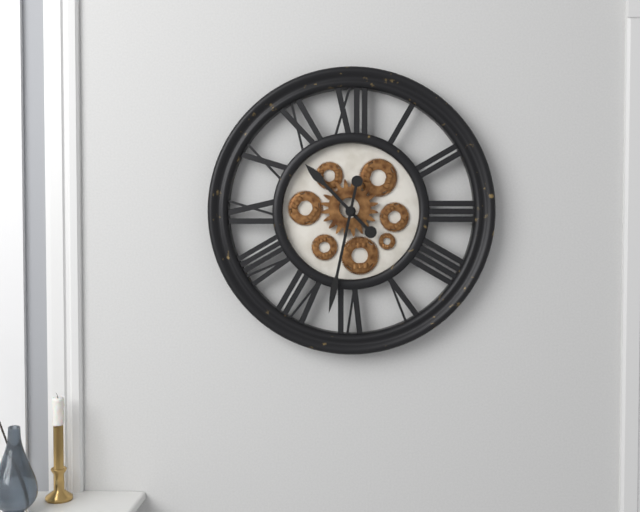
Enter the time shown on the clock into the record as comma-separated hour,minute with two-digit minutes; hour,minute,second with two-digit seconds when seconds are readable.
10,32
